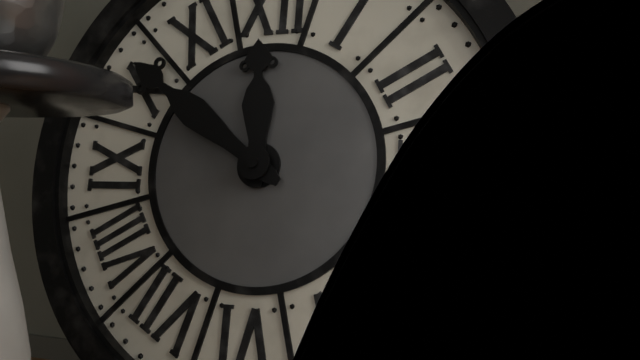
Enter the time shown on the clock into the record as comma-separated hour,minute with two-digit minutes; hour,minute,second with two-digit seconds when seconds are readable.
11,51
